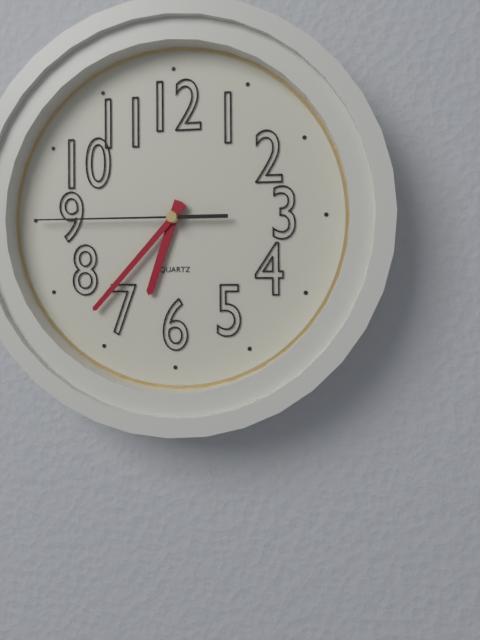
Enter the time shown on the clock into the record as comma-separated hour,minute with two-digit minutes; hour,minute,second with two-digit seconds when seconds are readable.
6,37,45
